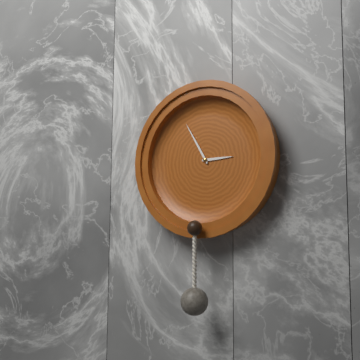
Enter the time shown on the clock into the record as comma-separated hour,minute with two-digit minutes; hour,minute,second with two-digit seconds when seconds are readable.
2,55
